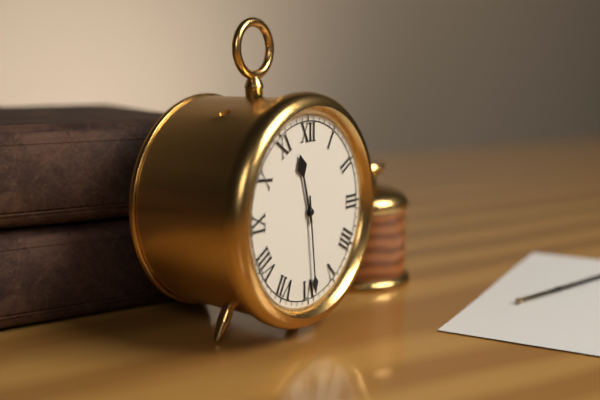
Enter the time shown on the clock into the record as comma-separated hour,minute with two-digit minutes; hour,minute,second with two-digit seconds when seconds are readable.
11,29
